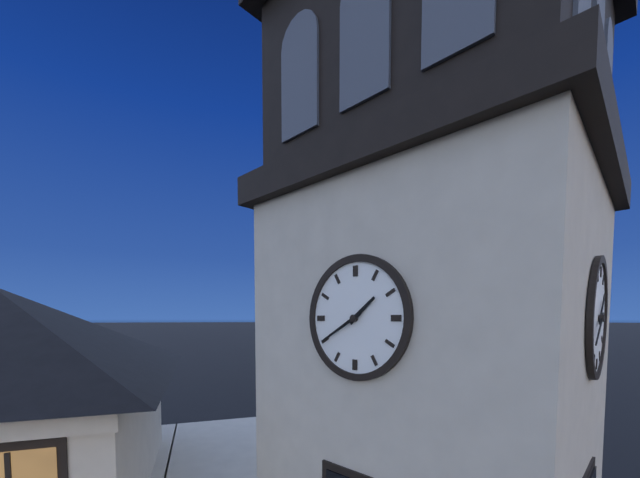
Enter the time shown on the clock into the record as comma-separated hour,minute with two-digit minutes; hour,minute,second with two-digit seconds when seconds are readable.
1,40
